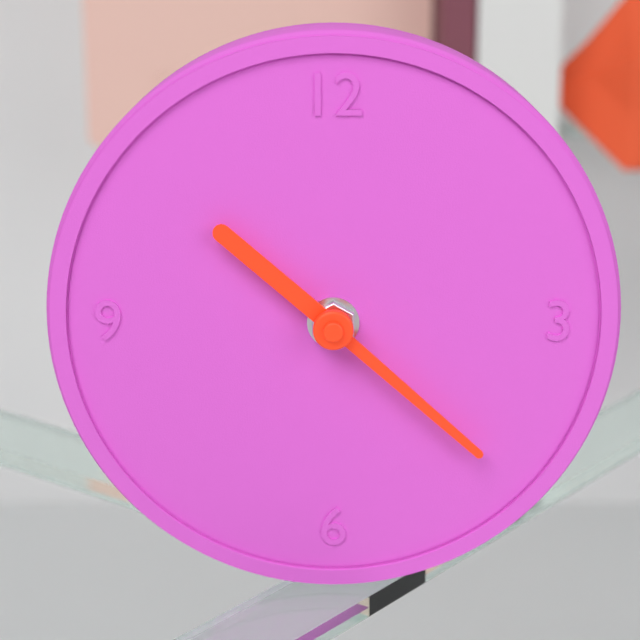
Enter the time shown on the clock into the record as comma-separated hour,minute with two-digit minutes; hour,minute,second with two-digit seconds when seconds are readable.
10,22
